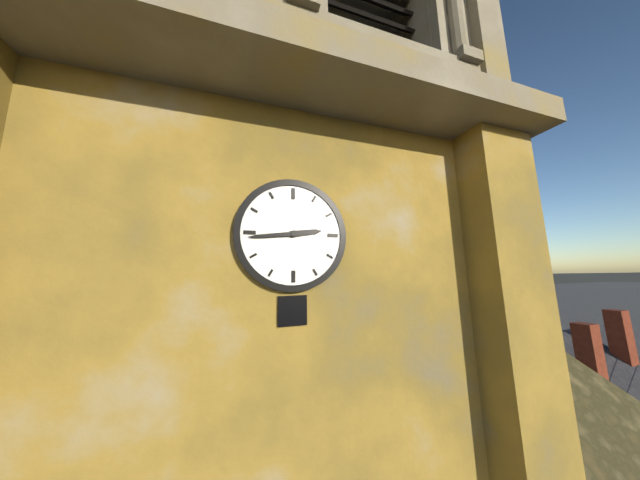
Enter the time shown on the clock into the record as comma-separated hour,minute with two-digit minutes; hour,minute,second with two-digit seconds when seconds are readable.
2,44
